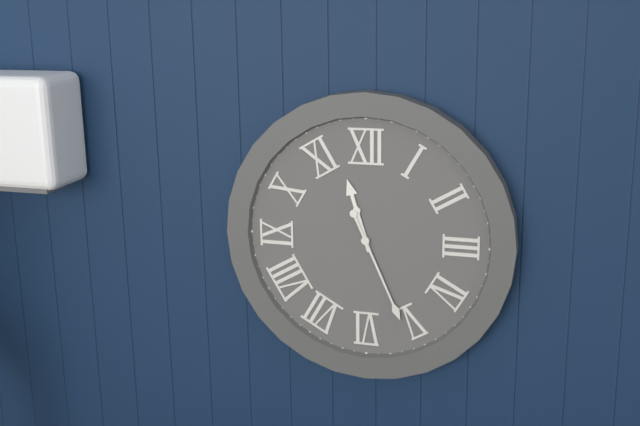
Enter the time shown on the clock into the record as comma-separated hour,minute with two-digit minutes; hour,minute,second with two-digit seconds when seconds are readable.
11,26
